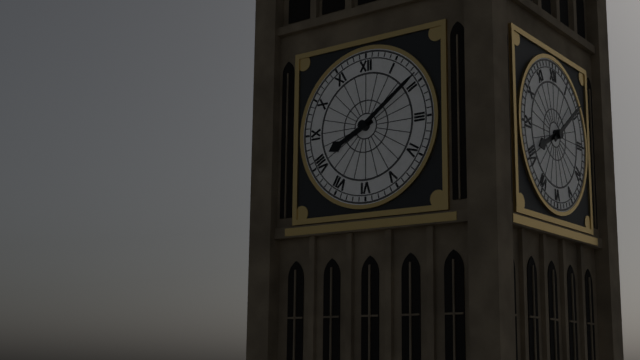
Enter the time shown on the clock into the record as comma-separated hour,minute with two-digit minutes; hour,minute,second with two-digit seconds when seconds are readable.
8,09
